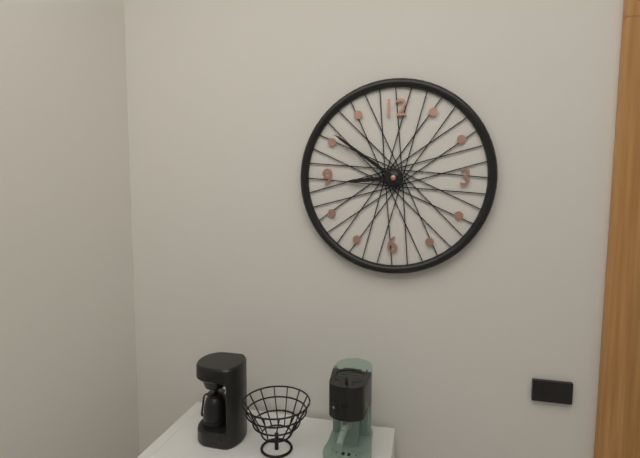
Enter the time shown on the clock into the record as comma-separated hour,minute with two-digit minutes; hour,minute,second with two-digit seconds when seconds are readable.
8,51
